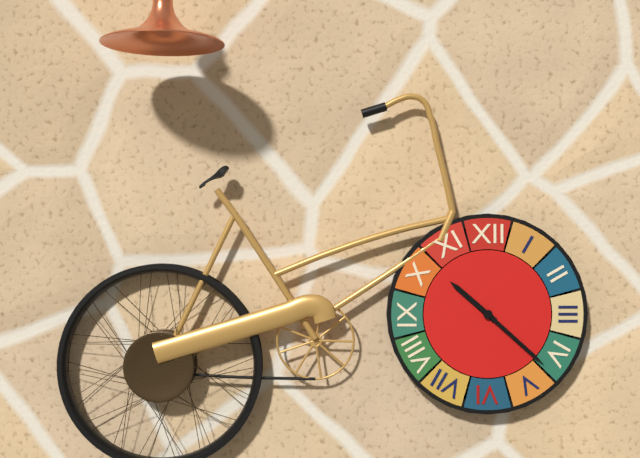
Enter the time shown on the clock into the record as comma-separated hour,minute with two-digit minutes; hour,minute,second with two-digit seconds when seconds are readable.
10,22
